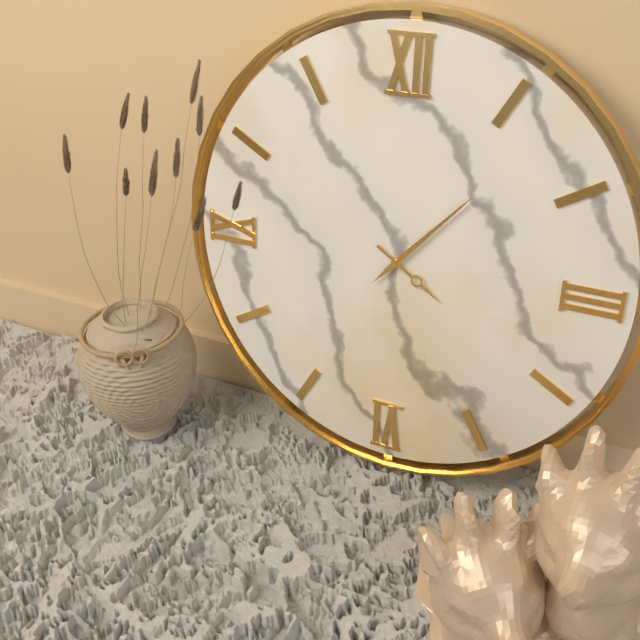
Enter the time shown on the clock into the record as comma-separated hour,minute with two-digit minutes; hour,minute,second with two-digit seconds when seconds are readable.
4,07
